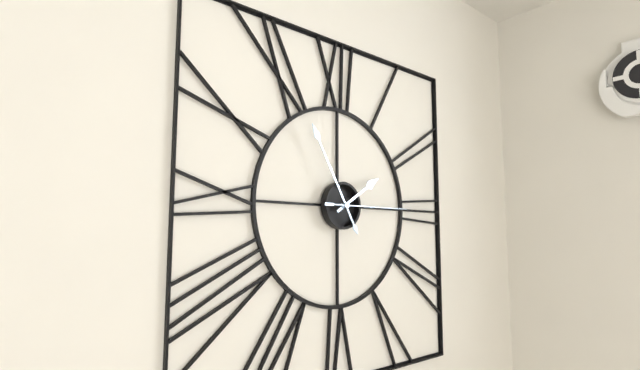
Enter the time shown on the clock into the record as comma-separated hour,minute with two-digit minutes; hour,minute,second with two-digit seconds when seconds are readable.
1,55,15
